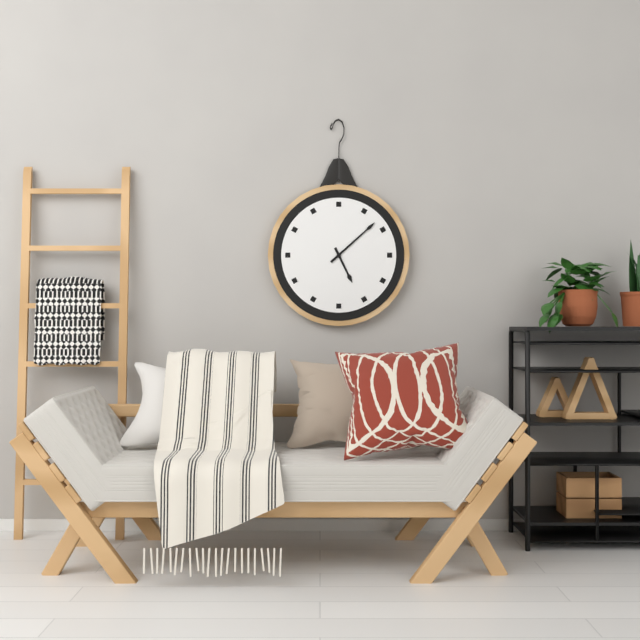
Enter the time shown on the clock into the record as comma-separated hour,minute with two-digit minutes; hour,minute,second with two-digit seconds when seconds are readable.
5,08
